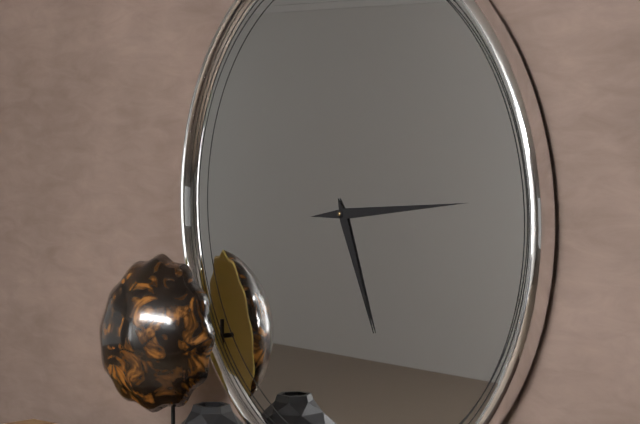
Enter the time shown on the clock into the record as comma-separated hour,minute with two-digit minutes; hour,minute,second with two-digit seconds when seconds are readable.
5,14
